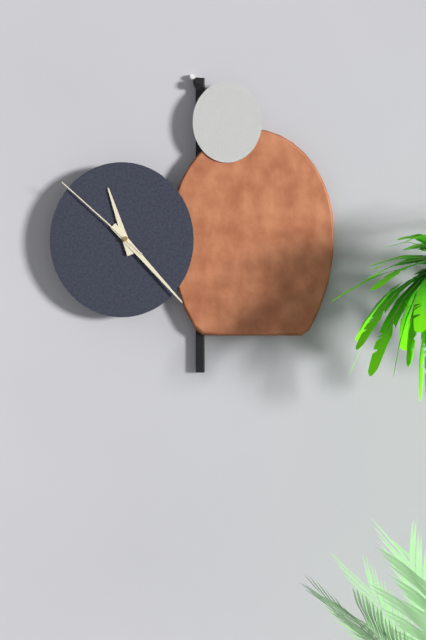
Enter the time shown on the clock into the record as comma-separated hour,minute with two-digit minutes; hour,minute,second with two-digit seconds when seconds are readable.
11,23,52
